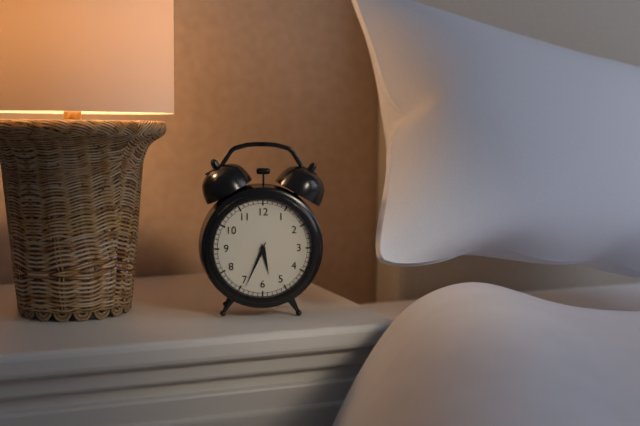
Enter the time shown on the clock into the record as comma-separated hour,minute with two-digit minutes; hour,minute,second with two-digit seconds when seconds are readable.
5,34
